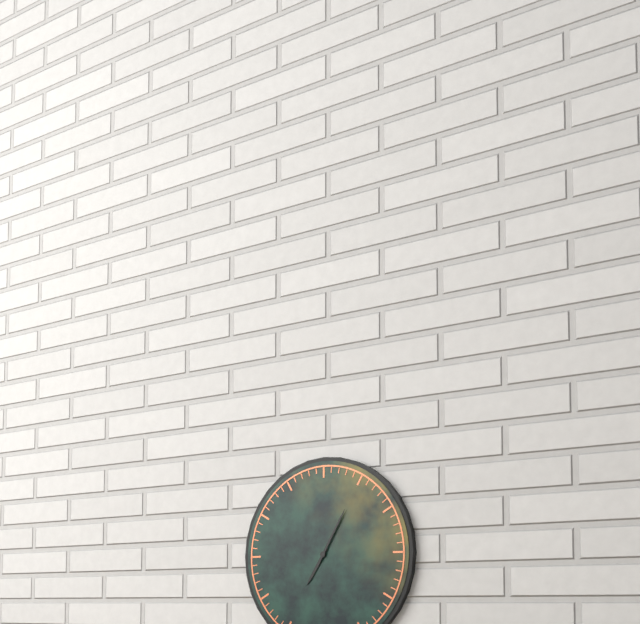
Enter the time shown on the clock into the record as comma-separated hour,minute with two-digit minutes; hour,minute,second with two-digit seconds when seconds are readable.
7,05
